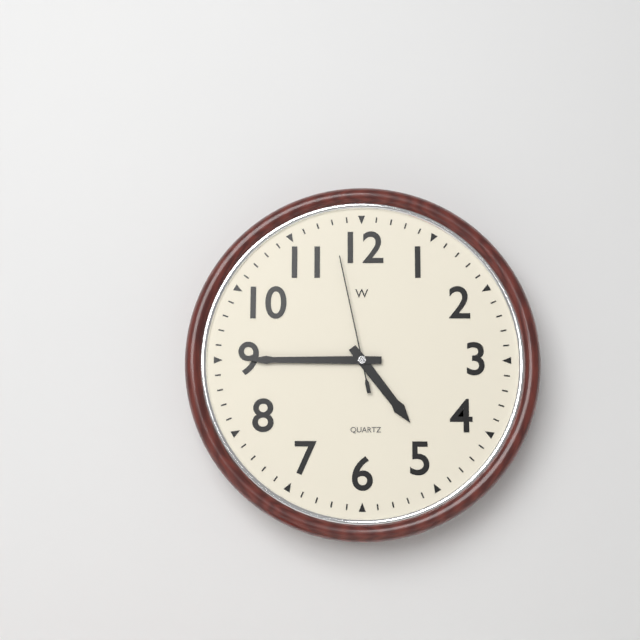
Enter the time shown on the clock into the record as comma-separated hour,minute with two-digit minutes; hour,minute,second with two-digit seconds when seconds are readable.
4,45,58
